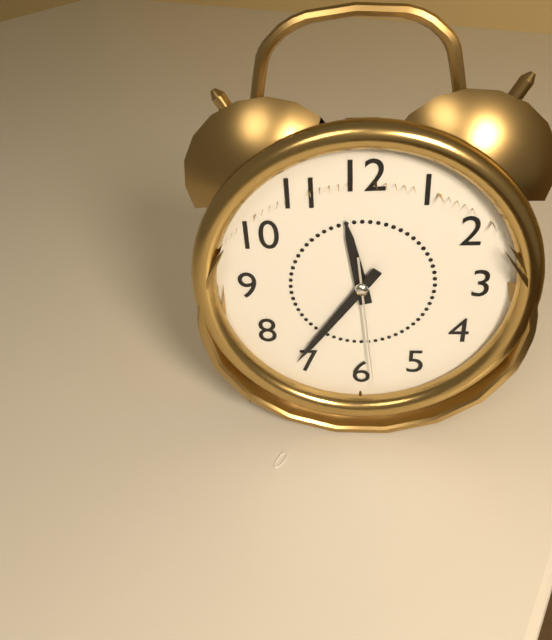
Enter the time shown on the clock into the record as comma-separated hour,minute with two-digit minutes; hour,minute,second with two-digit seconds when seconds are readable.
11,36,29
